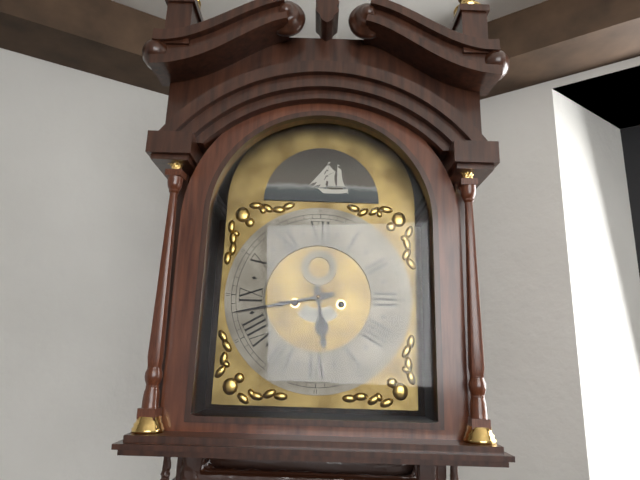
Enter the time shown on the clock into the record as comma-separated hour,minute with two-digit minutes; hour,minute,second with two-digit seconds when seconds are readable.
5,43
